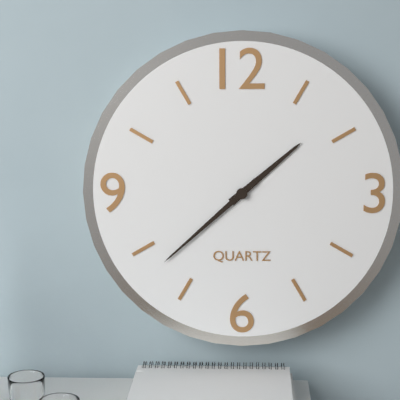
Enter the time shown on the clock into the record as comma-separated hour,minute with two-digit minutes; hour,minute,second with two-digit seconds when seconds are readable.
1,38
